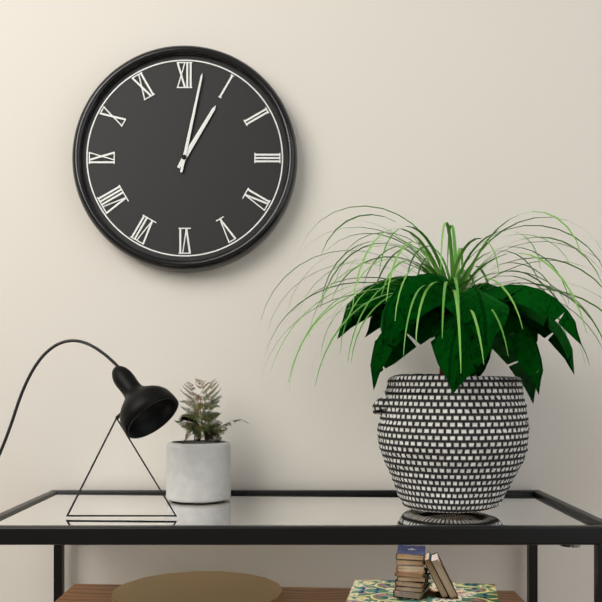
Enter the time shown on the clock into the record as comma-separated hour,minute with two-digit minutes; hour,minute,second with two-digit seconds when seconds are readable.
1,02
